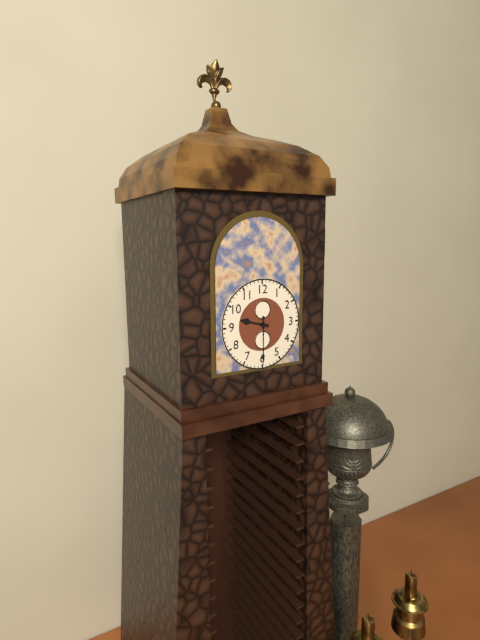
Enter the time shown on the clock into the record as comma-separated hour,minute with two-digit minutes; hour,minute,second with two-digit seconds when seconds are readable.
9,30
